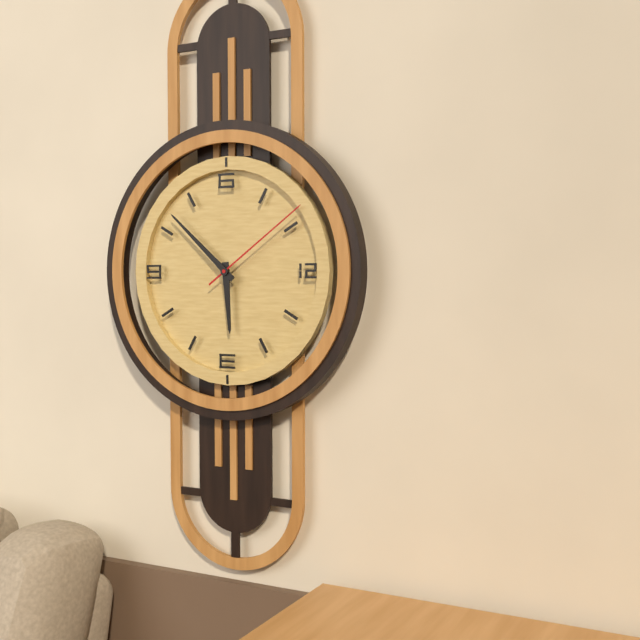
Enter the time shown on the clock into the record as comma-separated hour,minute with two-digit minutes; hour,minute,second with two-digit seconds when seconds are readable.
5,52,09
